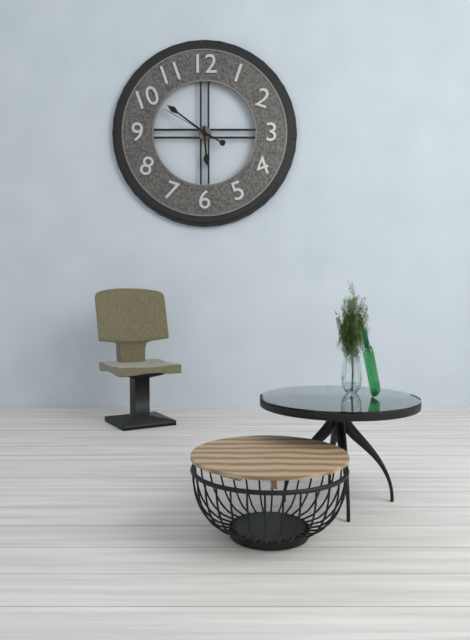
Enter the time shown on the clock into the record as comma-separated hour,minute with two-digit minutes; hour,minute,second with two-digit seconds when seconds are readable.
5,51,50
